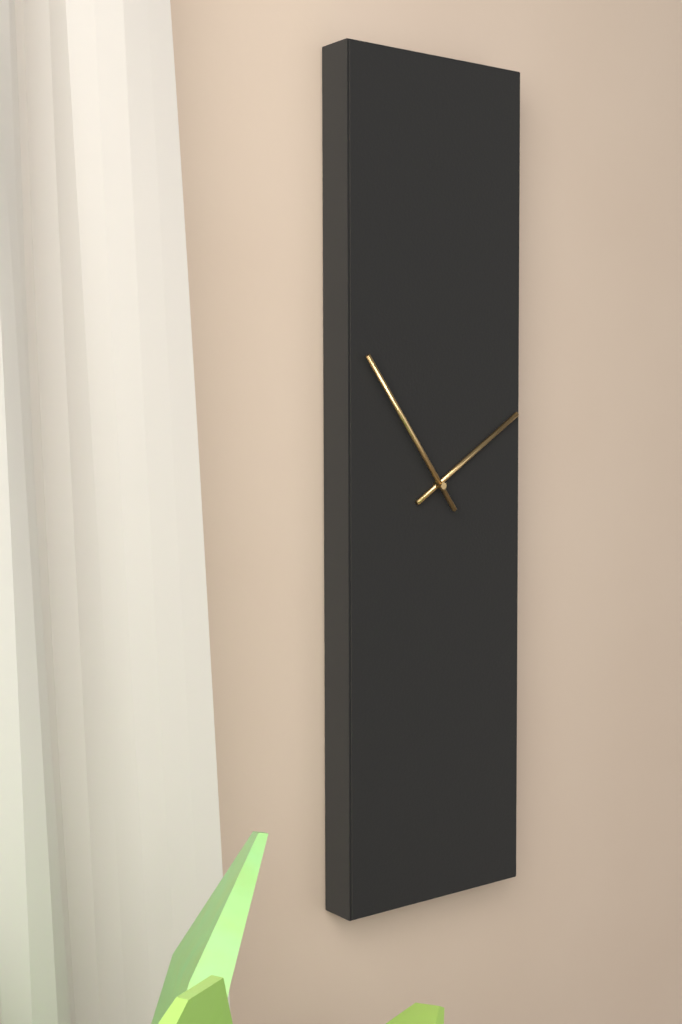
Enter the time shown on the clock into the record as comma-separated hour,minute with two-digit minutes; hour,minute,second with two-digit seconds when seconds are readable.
1,54
